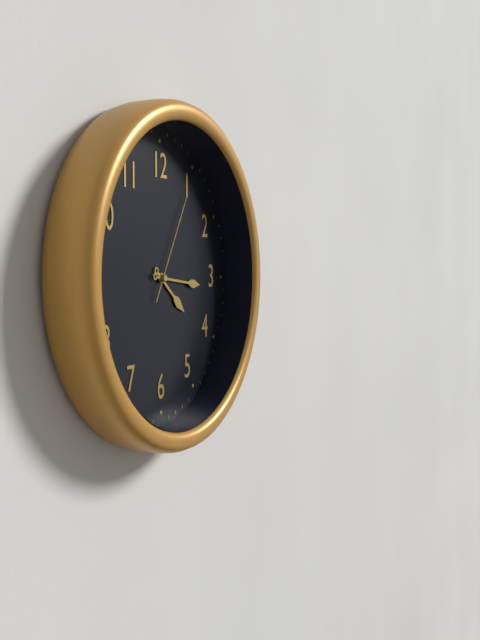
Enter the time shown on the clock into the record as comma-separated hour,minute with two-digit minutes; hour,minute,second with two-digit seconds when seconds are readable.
4,16,05
